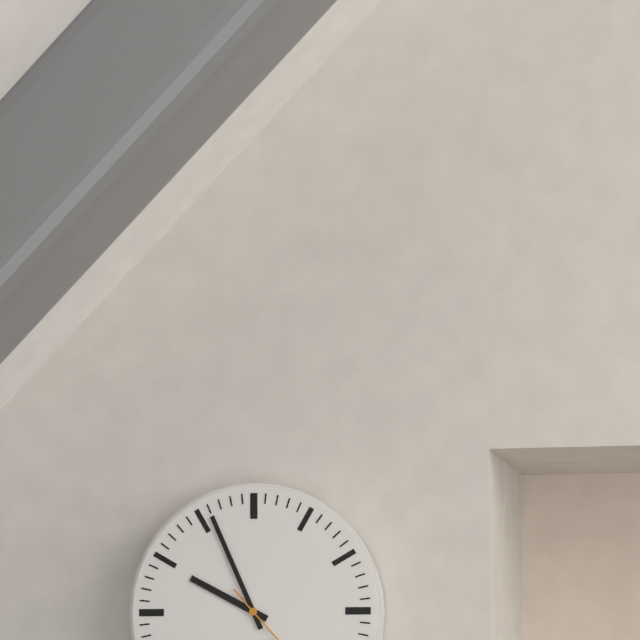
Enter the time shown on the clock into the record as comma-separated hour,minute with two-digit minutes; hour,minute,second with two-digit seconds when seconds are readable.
9,56
